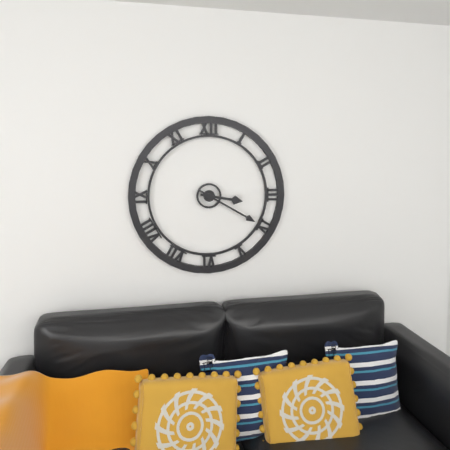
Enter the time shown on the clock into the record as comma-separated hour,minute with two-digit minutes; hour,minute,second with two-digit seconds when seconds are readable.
3,20
